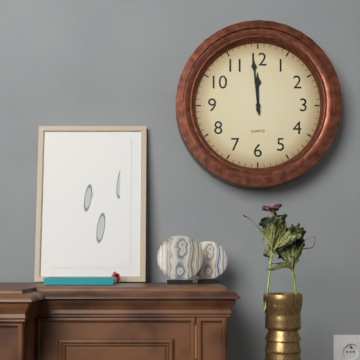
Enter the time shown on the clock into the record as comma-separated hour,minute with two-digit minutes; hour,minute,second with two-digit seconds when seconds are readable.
11,59
